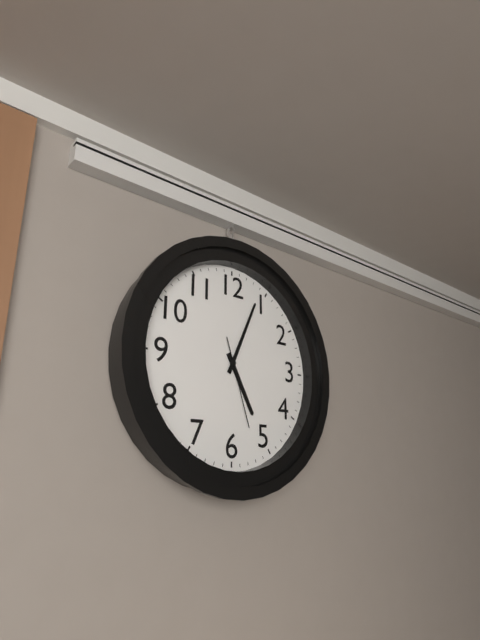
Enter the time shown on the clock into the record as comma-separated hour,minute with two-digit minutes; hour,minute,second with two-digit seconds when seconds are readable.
5,04,27
